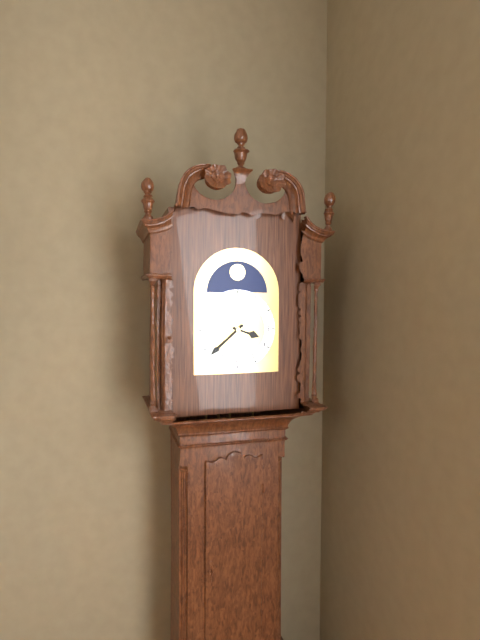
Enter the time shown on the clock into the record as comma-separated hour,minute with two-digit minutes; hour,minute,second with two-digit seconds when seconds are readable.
3,38
